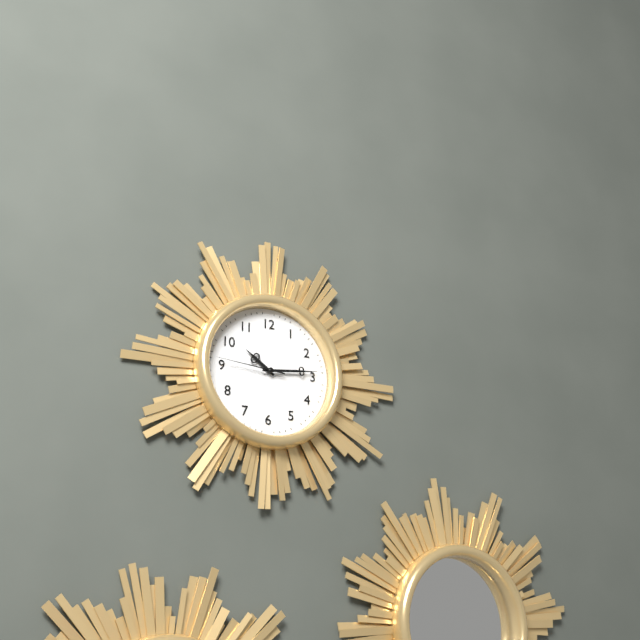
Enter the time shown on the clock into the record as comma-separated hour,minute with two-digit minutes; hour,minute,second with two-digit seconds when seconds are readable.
10,14,46
